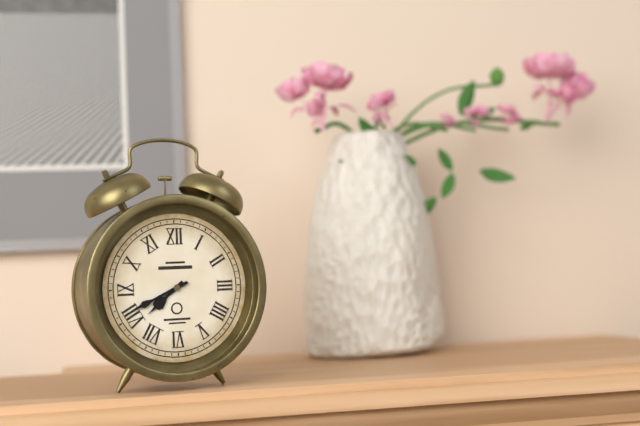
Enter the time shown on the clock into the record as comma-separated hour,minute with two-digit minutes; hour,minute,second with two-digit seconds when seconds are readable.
7,41
